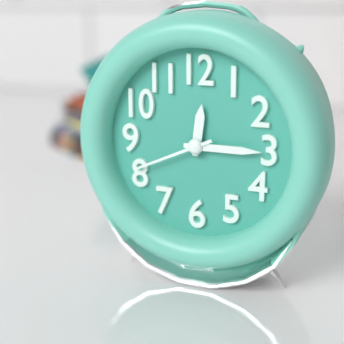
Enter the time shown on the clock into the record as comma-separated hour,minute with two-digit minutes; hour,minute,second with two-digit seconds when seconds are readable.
12,15,41
